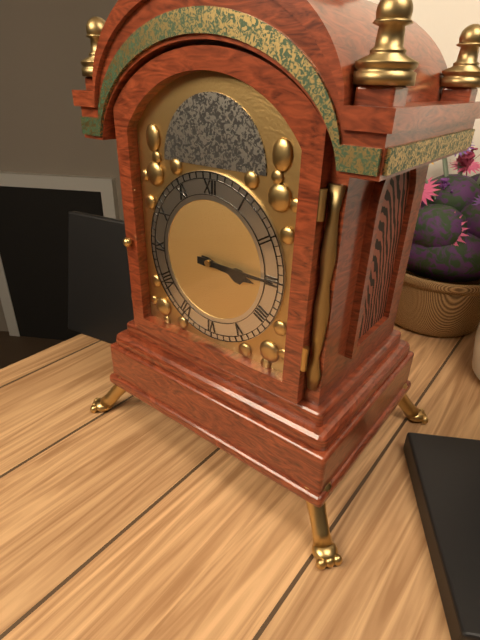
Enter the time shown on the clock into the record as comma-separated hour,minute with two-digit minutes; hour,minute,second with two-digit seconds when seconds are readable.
3,15
